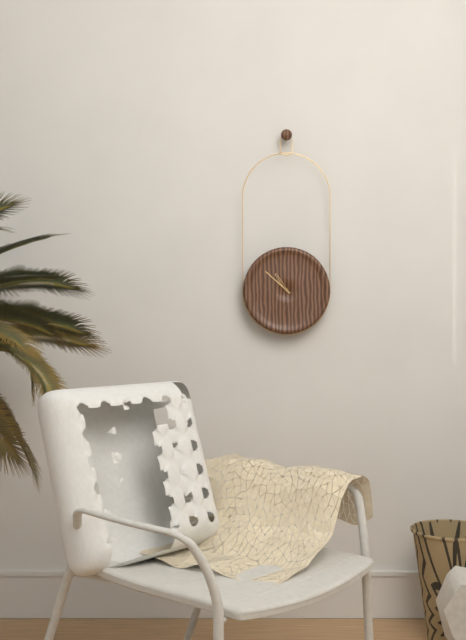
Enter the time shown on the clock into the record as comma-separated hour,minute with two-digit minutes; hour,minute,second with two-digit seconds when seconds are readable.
10,52
